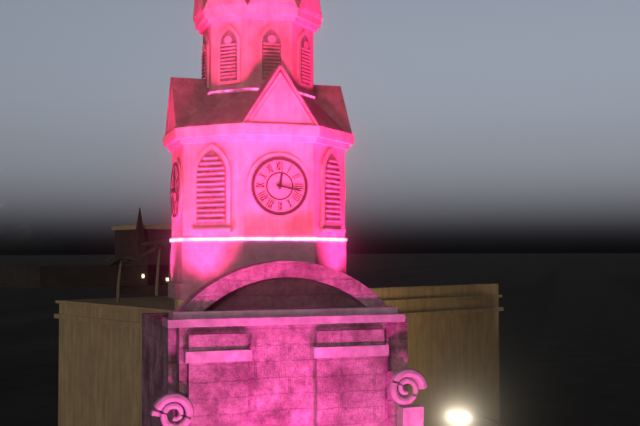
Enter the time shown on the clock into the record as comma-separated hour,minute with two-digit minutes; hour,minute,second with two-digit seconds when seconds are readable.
12,17
